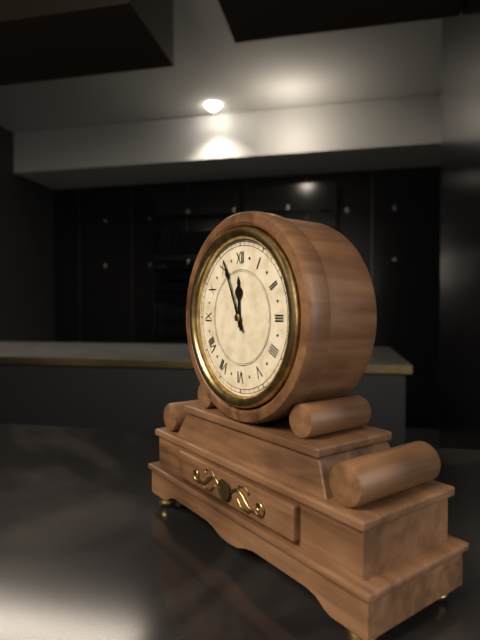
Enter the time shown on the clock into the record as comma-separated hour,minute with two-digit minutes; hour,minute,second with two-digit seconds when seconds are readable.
11,56
